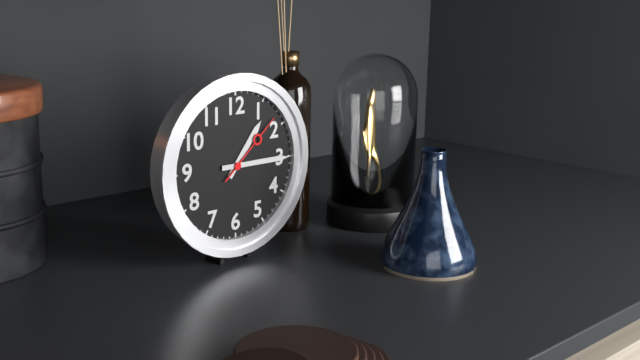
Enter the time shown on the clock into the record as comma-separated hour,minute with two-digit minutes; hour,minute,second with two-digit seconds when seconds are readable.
1,15,08
